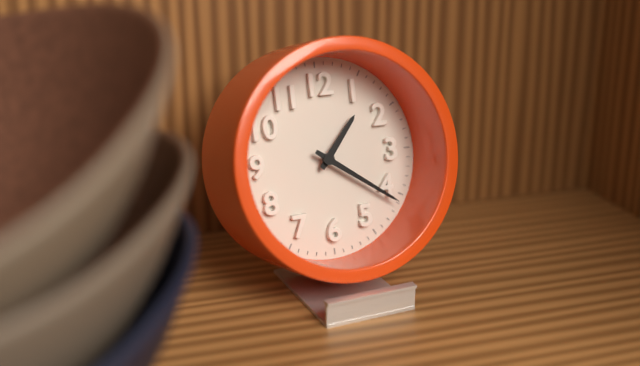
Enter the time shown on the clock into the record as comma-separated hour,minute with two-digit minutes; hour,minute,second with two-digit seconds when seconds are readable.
1,21
